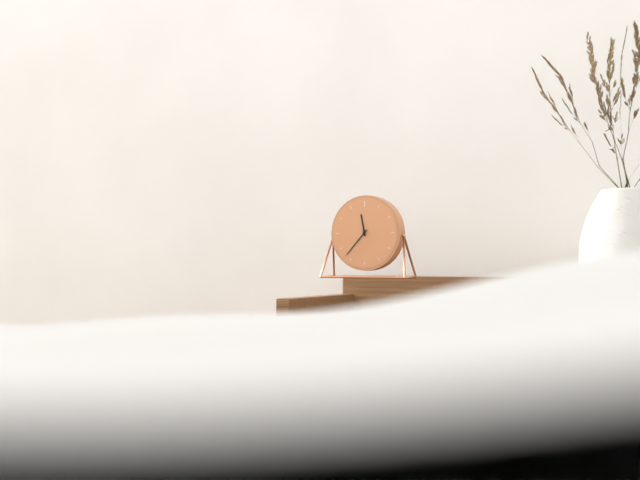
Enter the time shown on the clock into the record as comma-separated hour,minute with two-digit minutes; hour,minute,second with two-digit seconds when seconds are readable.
11,37
